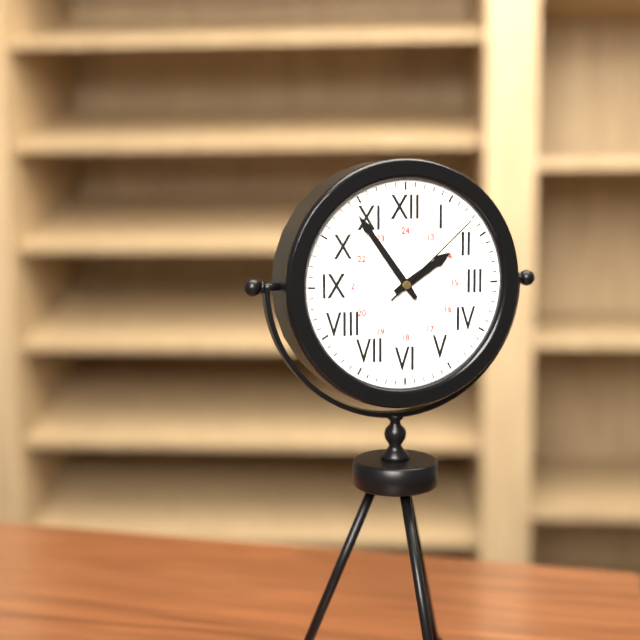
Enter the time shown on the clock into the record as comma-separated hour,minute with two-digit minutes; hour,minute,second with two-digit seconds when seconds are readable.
1,54,08
